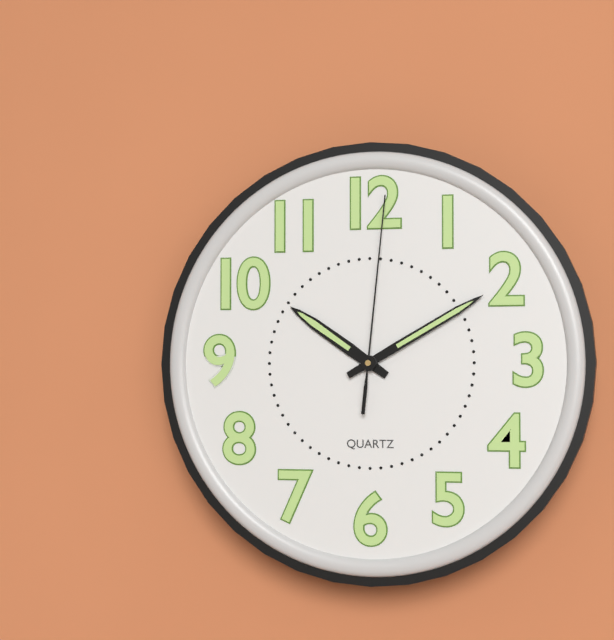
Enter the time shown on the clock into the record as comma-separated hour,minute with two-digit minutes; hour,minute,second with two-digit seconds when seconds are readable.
10,10,01
